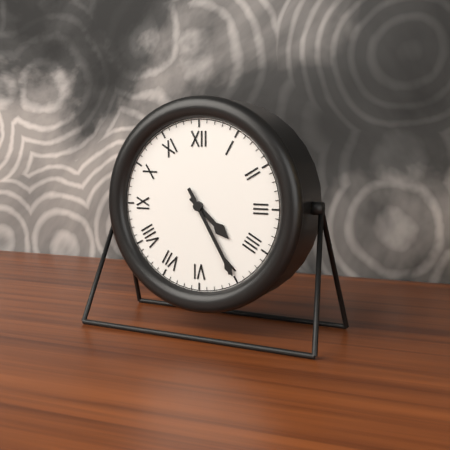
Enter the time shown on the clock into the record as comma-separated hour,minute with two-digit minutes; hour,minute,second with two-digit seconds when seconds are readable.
4,25
